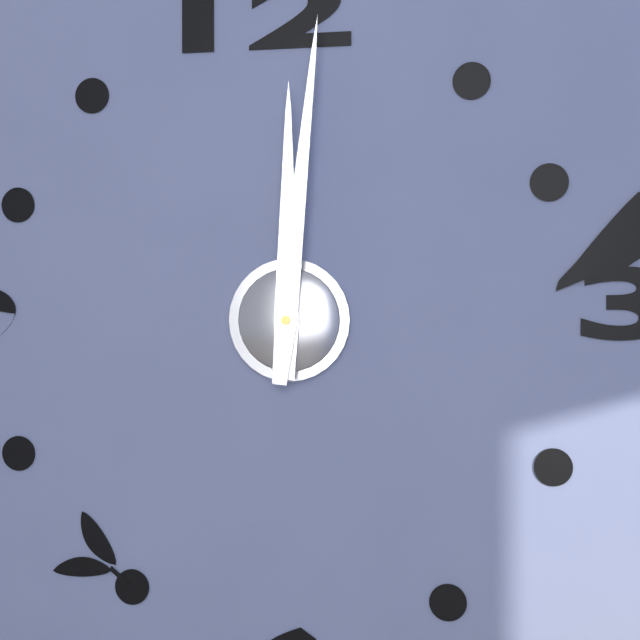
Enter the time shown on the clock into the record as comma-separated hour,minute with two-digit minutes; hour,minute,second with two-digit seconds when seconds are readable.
12,01
